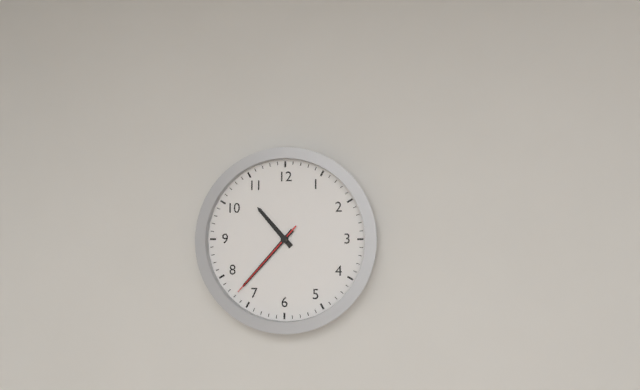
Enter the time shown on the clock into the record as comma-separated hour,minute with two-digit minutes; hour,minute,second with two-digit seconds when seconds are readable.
10,37,37
